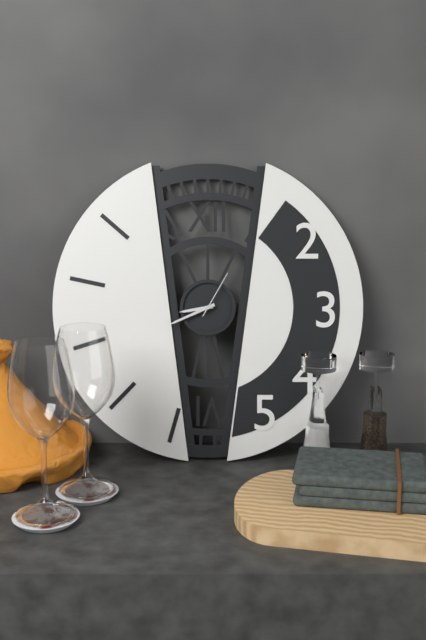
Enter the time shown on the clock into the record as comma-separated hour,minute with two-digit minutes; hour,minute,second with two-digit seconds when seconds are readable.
8,41
